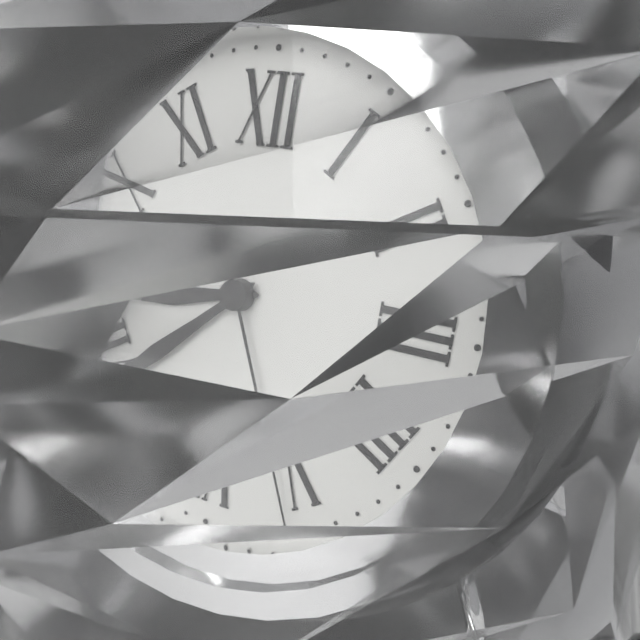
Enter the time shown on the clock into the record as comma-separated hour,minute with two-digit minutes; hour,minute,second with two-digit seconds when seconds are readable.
8,38,26
